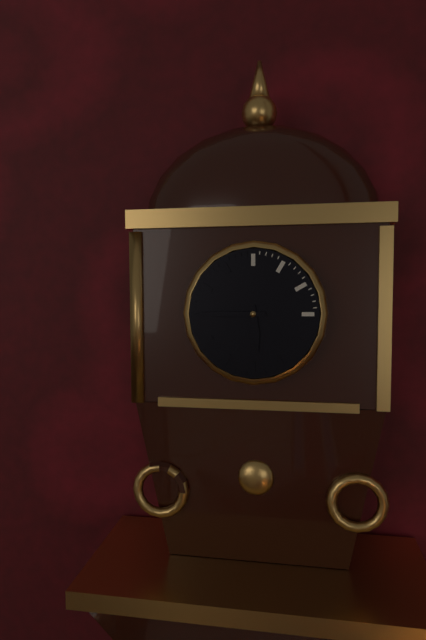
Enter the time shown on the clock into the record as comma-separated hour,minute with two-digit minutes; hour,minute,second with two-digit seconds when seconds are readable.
5,45
